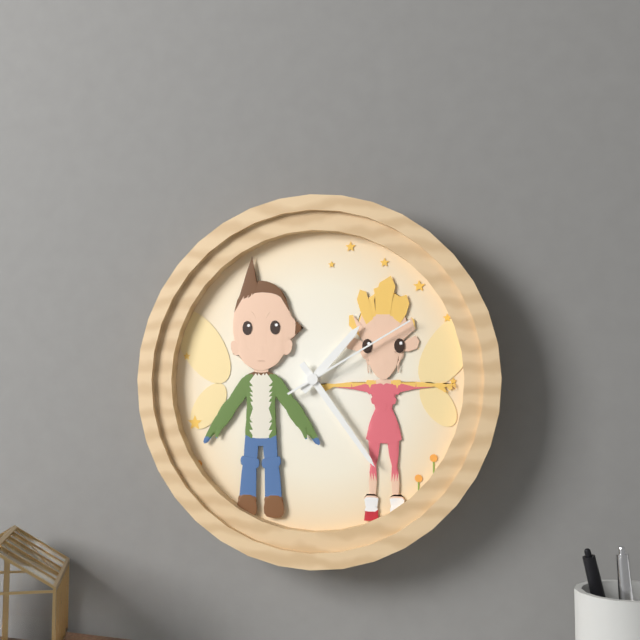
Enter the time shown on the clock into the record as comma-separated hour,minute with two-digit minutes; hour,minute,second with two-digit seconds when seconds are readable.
1,24,10
